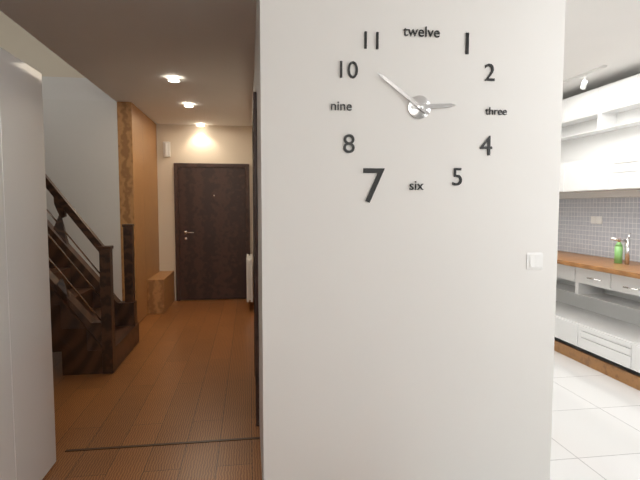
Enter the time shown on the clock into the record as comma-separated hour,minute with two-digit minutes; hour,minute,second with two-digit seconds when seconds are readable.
2,51
